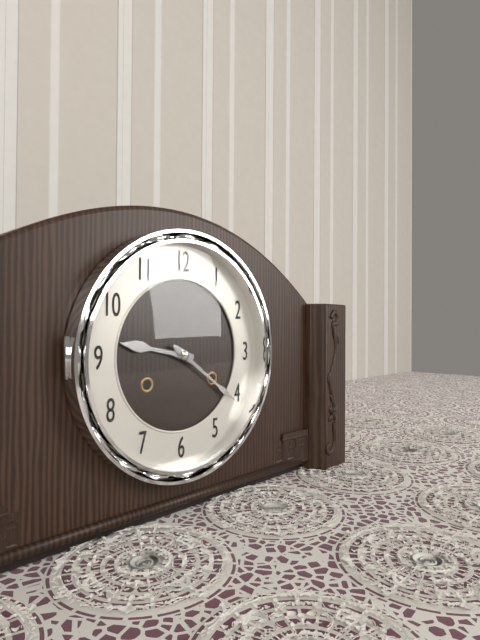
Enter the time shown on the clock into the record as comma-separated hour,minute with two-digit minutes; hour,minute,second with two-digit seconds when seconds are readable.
9,21
